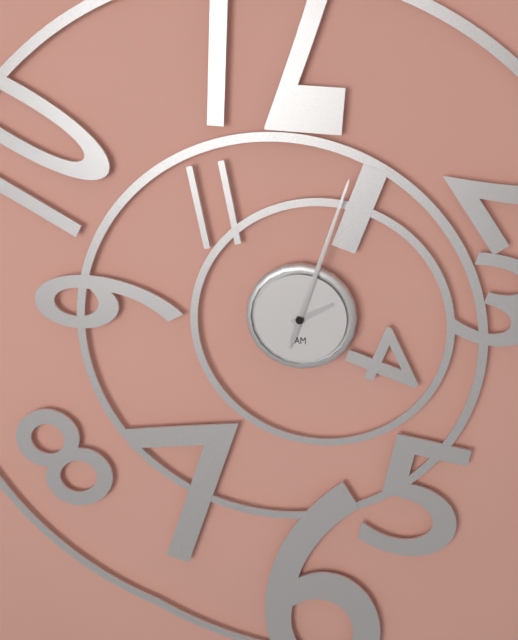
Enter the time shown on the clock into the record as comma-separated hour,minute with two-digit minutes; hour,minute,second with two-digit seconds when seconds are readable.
2,03,03
